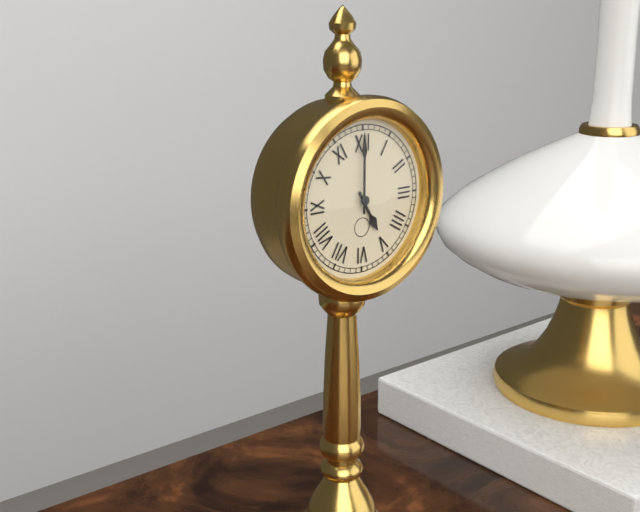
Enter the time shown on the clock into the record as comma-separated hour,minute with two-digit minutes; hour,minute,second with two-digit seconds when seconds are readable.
5,00
